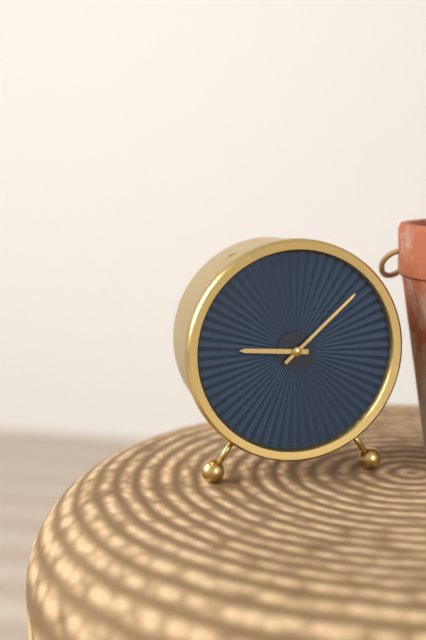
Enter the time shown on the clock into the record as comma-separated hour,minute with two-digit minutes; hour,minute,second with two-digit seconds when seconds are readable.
9,08
